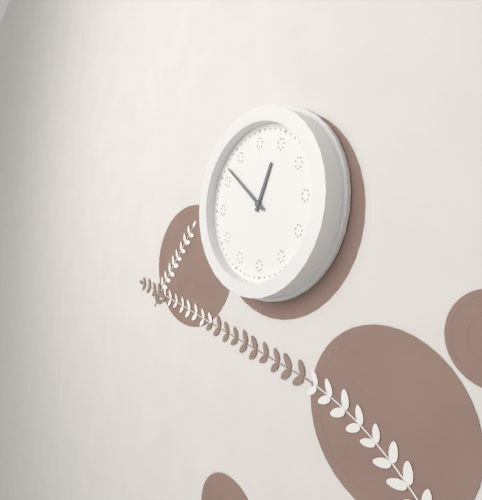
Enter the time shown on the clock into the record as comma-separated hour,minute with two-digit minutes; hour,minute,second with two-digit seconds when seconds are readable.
12,52
